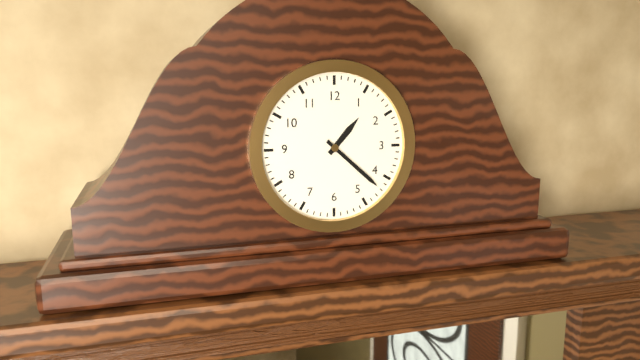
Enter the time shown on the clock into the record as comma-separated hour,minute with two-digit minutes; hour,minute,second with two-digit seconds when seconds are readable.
1,22
